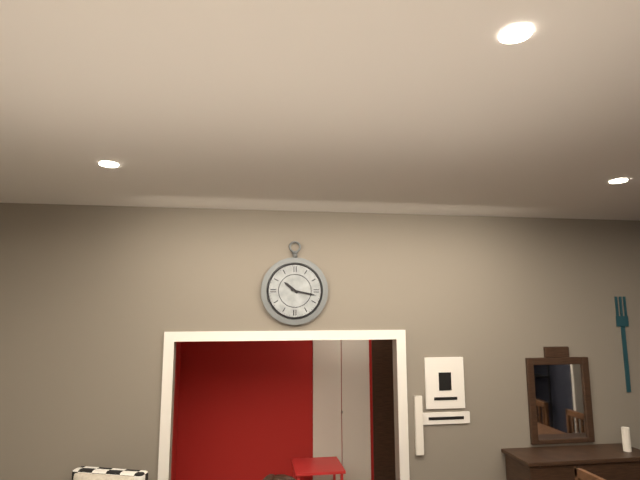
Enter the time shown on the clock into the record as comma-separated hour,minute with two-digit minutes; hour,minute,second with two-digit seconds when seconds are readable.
10,17
